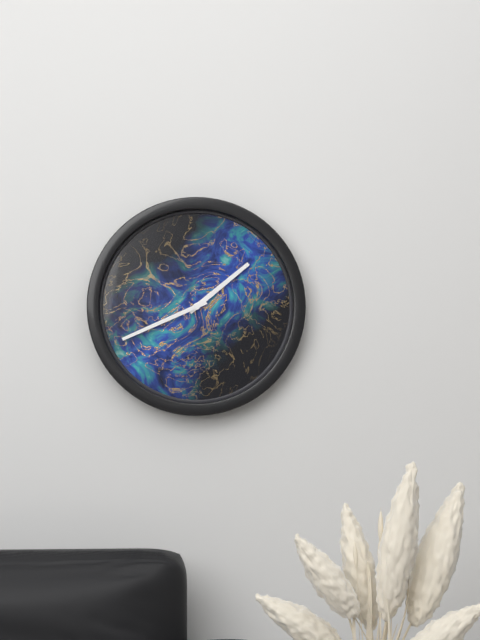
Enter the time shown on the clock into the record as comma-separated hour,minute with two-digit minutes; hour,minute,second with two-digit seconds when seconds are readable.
1,41
